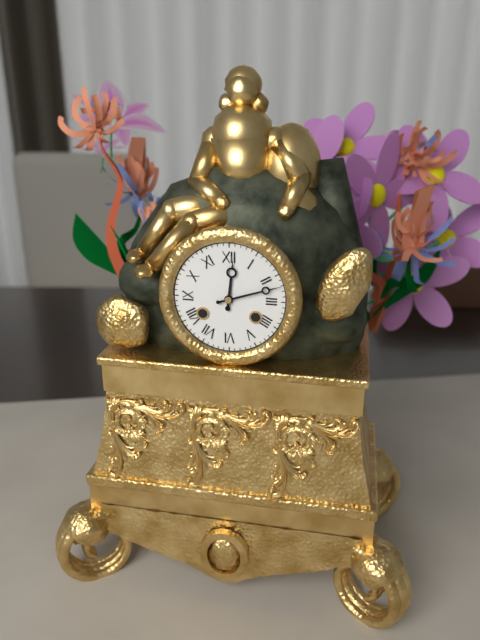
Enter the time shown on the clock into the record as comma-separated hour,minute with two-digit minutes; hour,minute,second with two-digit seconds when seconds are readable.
12,12
